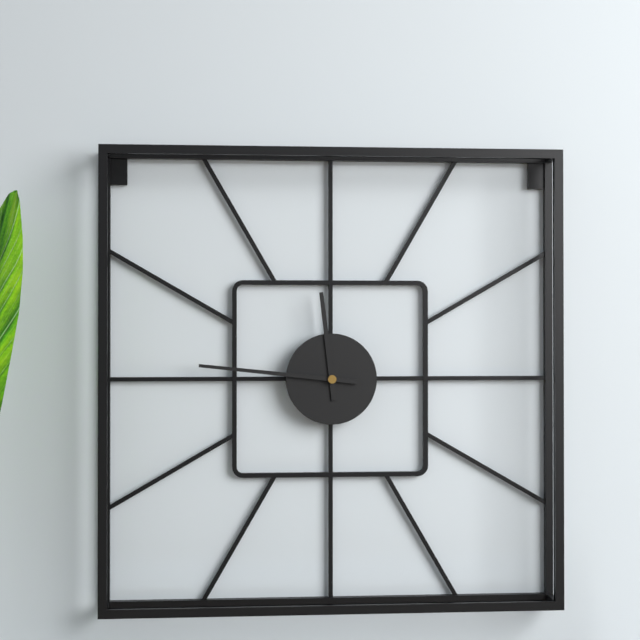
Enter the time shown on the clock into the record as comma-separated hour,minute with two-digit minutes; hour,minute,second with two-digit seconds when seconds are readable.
11,46
